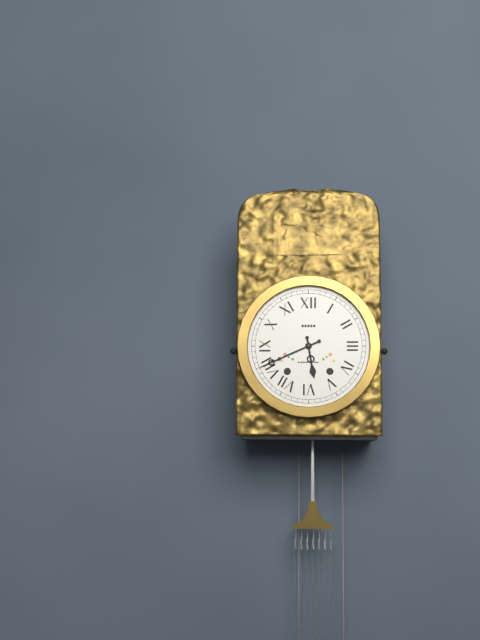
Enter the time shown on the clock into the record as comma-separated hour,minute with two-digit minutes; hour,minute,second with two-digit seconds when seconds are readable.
5,41
